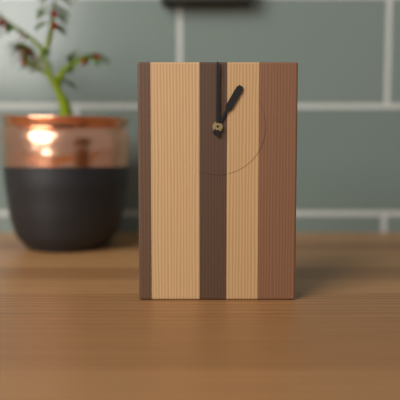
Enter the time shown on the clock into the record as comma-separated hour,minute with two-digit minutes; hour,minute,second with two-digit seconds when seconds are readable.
1,00
